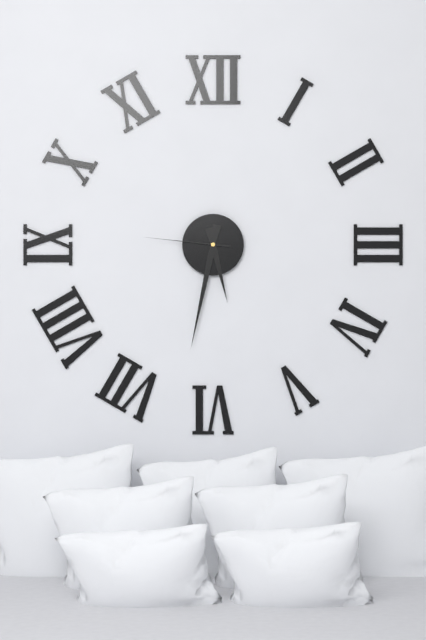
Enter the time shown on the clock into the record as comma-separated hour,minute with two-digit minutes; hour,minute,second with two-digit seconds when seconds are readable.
5,32,46
